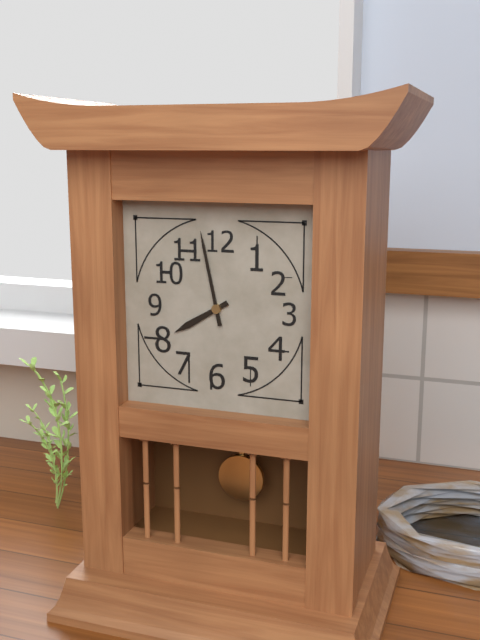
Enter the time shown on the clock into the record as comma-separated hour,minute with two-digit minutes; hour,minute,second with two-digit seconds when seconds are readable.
7,58
